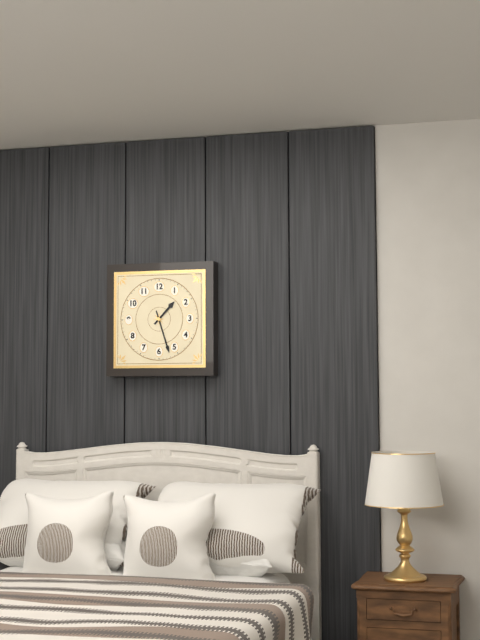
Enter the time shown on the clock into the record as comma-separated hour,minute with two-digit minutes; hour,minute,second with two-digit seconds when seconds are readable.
1,27
